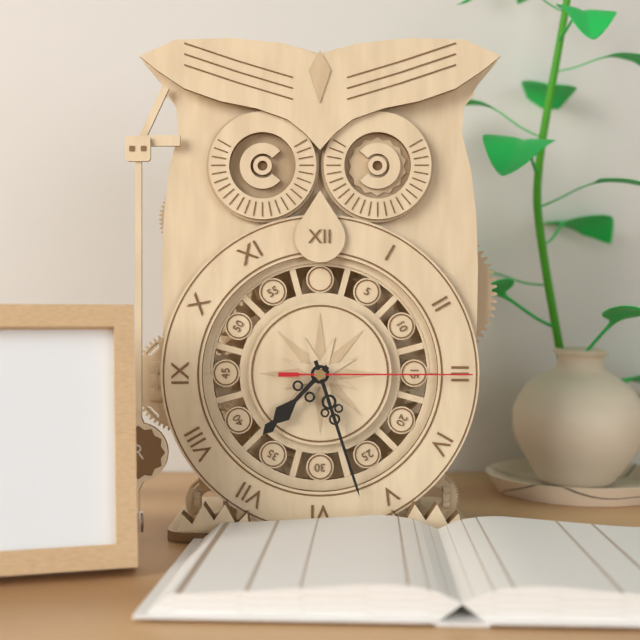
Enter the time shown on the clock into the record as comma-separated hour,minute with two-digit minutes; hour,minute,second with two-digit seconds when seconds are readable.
7,27,15
